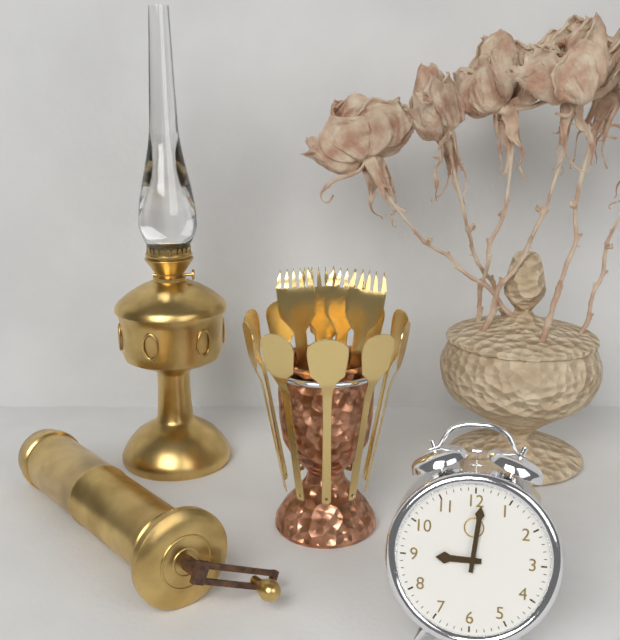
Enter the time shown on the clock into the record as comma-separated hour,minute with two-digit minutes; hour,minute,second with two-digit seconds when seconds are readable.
9,01
